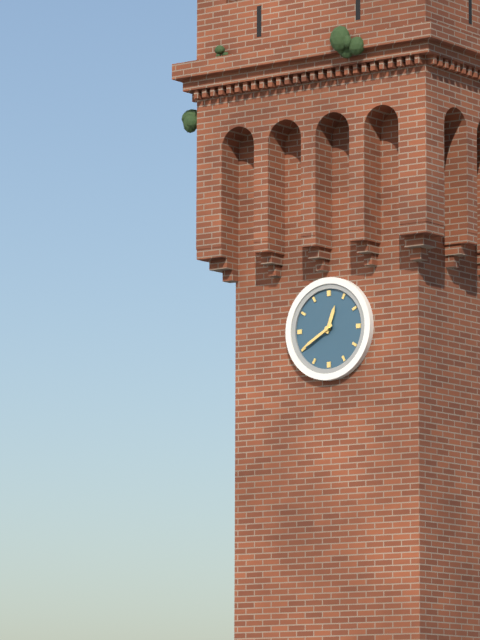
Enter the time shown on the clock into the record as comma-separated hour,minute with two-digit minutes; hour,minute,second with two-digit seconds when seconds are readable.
12,40
